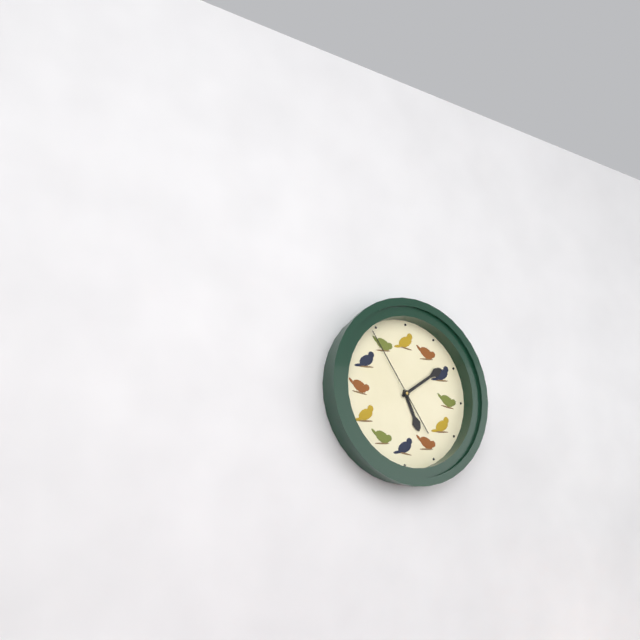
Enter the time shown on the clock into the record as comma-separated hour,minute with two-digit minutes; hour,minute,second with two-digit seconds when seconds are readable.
5,09,54
